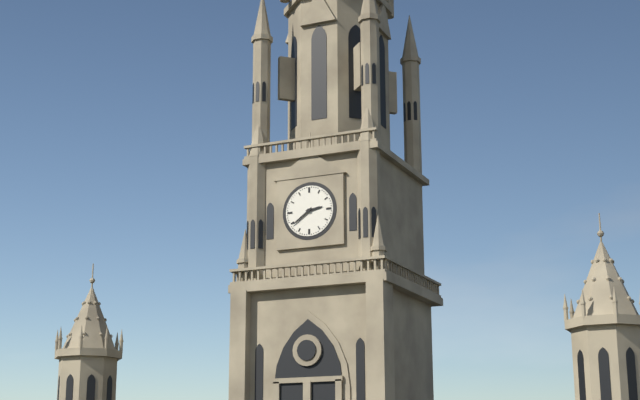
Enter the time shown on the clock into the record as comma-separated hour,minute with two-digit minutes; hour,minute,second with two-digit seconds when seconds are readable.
2,39
